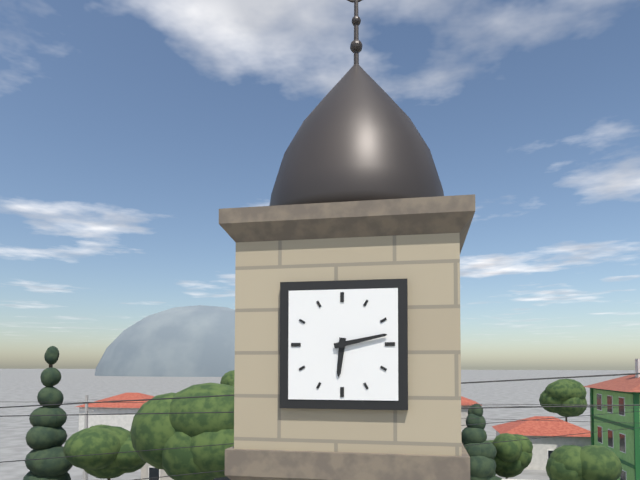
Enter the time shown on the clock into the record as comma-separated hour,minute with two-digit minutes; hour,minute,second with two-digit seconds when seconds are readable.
6,13
